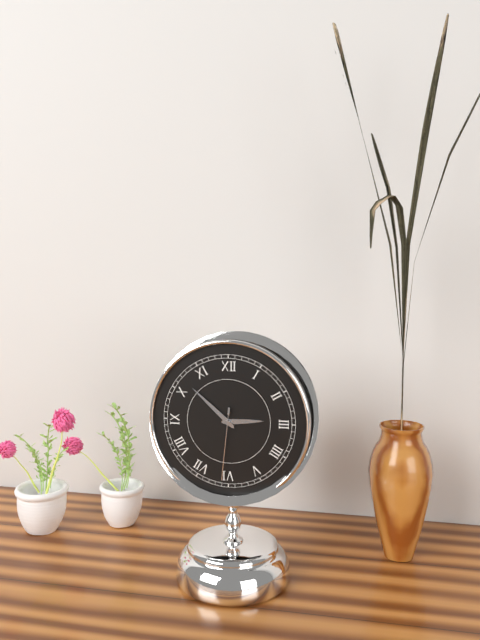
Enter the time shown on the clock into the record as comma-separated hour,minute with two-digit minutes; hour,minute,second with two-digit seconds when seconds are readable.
2,52,31
